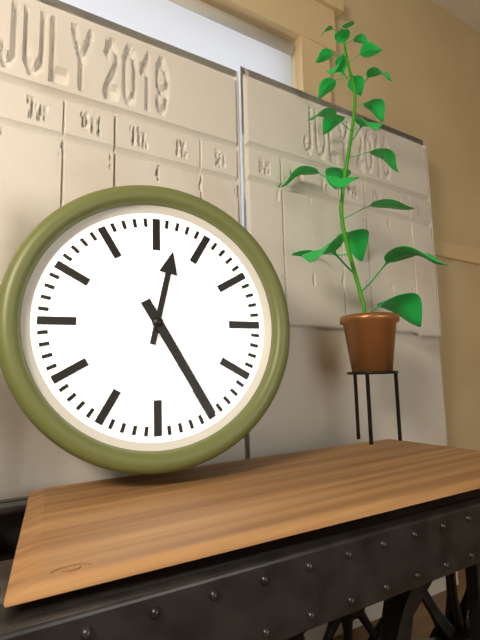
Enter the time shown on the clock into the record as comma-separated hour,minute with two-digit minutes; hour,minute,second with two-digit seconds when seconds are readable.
12,25
